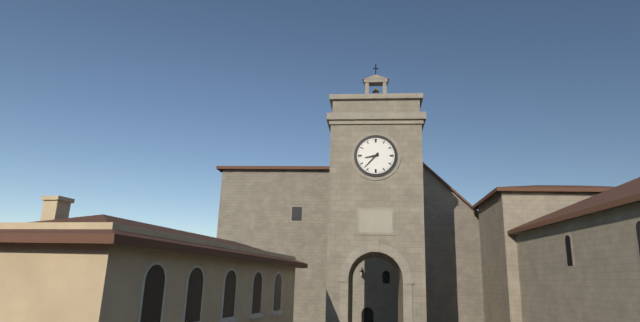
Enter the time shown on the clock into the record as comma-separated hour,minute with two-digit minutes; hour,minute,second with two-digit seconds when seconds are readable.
8,37
